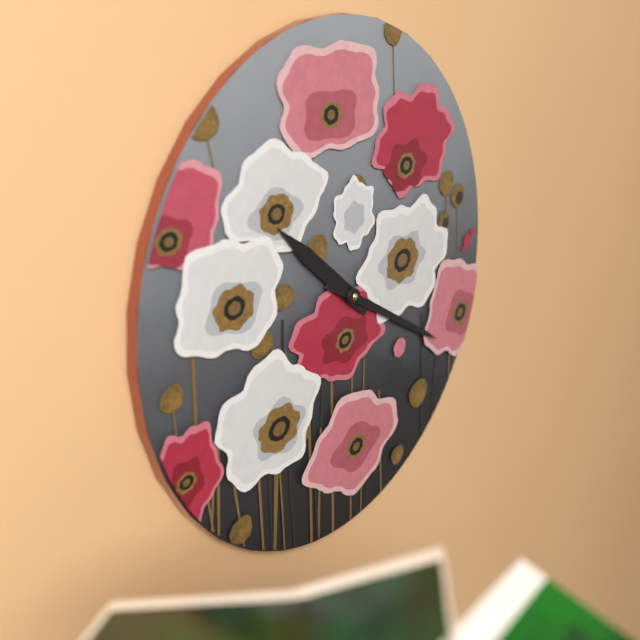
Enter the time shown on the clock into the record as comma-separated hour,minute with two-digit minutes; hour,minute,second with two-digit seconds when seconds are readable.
10,20
